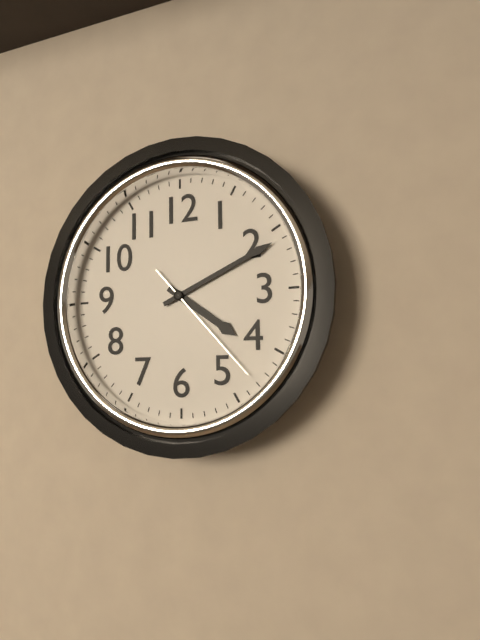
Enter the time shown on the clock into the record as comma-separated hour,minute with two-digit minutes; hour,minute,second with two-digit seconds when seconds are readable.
4,11,23
